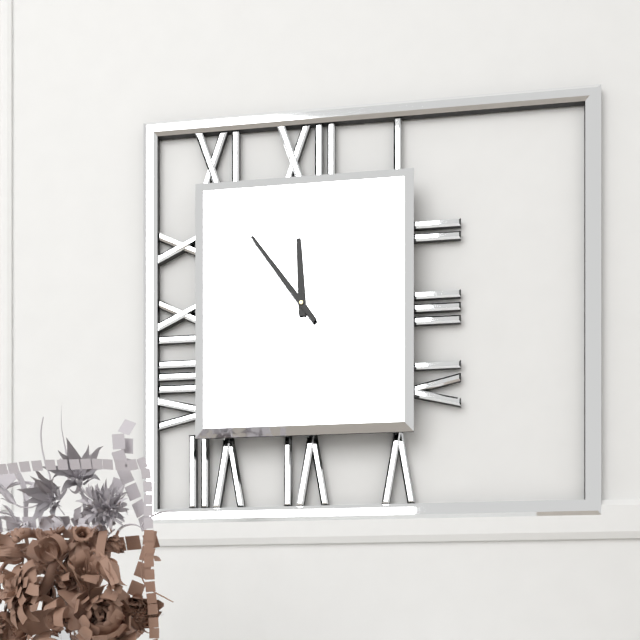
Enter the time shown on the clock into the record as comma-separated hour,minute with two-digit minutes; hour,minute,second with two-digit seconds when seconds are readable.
11,54
